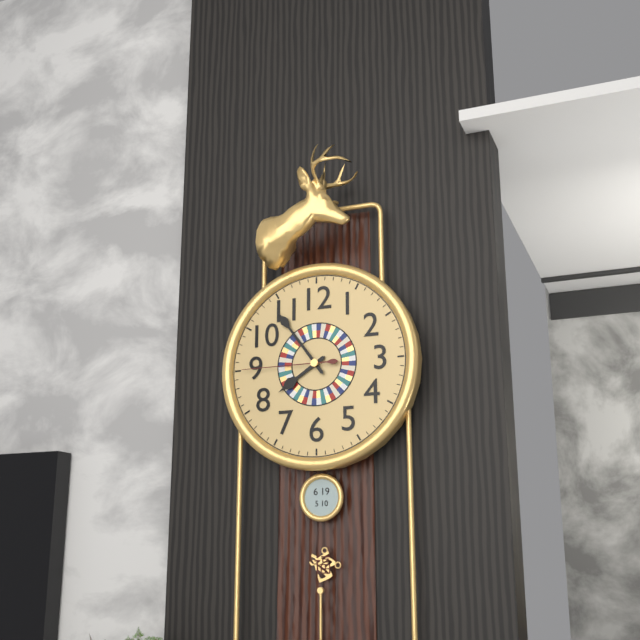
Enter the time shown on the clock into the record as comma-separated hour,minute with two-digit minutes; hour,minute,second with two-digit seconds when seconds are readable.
7,54,45
